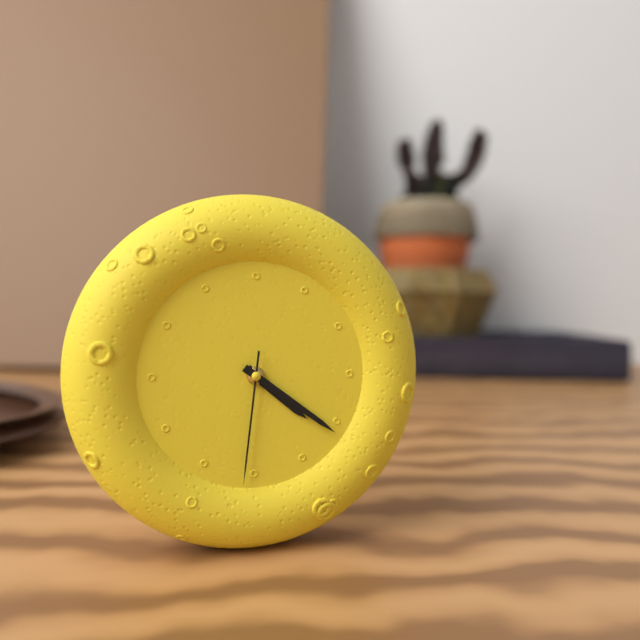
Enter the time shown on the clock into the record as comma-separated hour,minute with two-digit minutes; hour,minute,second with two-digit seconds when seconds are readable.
4,21,31
